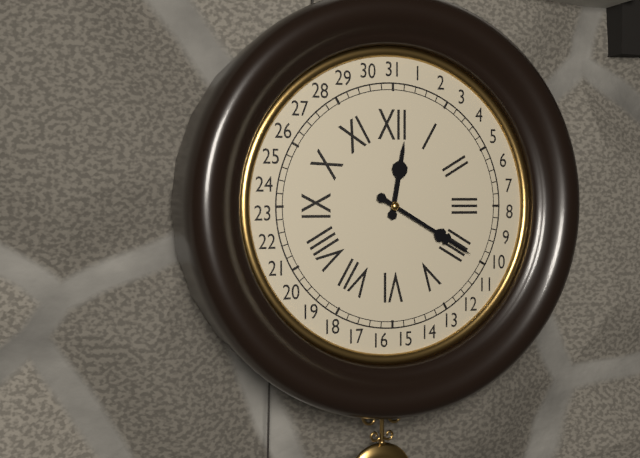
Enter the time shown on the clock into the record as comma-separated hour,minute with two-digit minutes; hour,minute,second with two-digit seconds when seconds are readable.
12,20
